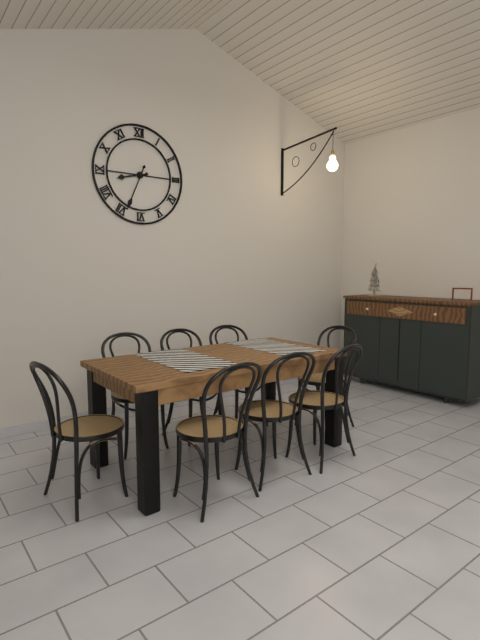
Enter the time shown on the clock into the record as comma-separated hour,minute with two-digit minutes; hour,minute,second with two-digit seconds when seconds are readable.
8,34
